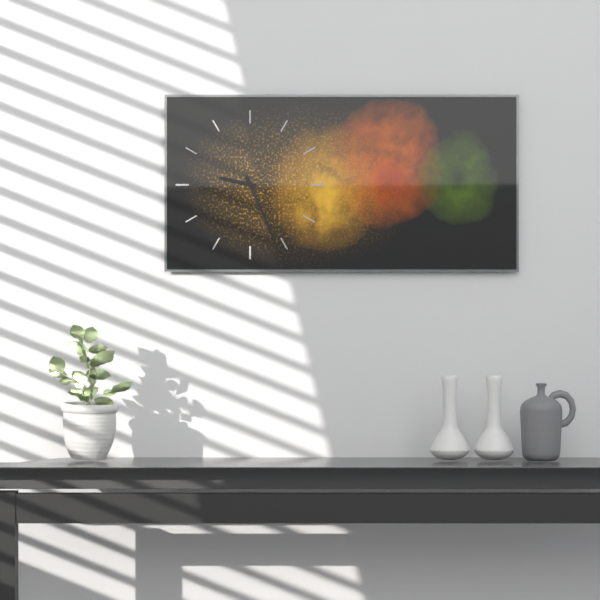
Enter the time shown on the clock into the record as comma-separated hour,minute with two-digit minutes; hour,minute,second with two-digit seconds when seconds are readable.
9,26
